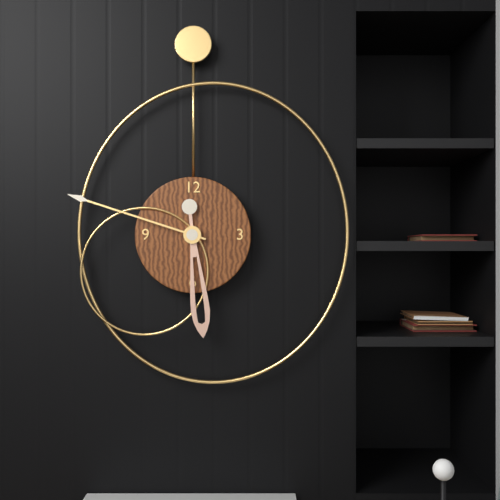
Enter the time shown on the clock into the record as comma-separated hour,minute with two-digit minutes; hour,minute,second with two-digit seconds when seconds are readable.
5,48
